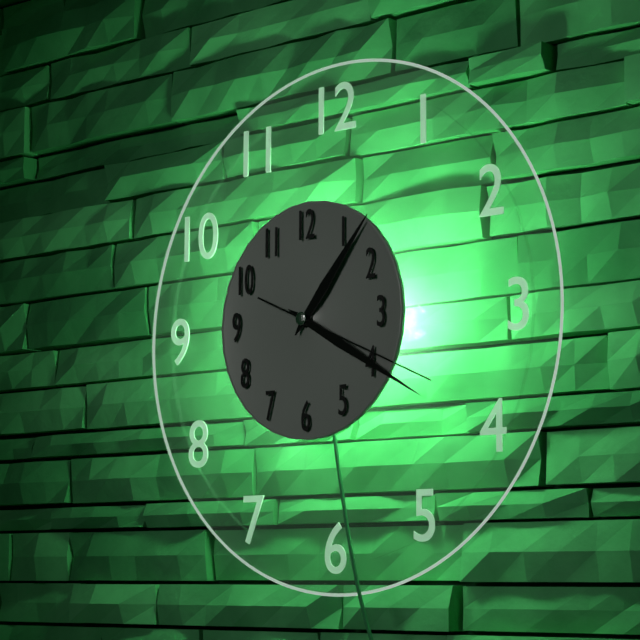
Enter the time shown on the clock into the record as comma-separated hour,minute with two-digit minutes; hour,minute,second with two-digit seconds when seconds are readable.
1,20,19
